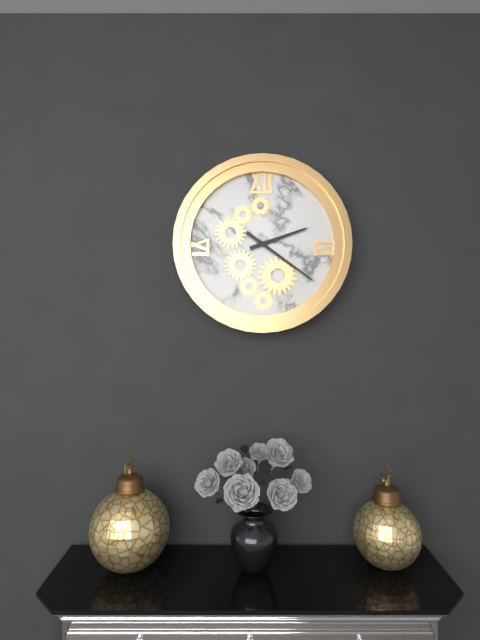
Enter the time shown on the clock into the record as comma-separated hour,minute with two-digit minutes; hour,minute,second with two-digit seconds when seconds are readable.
2,21
